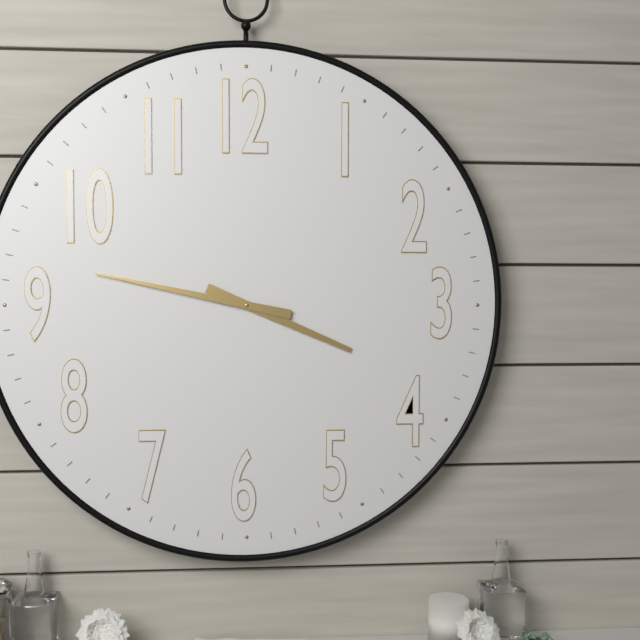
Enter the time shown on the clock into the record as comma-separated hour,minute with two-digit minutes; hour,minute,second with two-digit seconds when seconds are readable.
3,47
